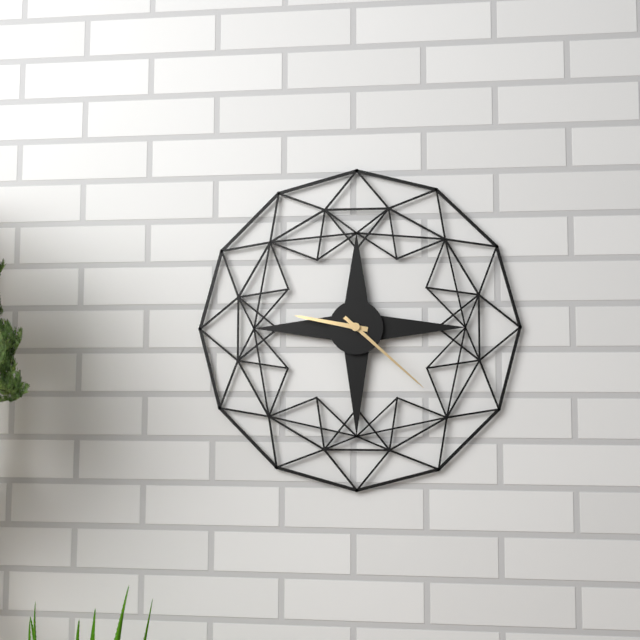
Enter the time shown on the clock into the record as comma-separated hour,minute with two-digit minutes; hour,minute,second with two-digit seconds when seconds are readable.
9,22
